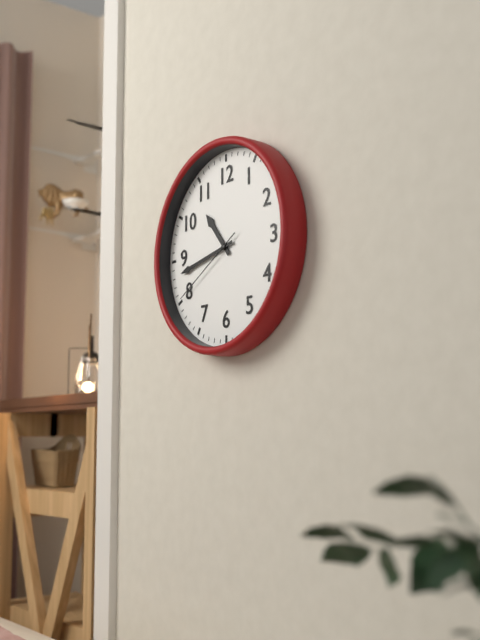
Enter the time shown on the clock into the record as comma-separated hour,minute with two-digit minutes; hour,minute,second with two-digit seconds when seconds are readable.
10,43,40
